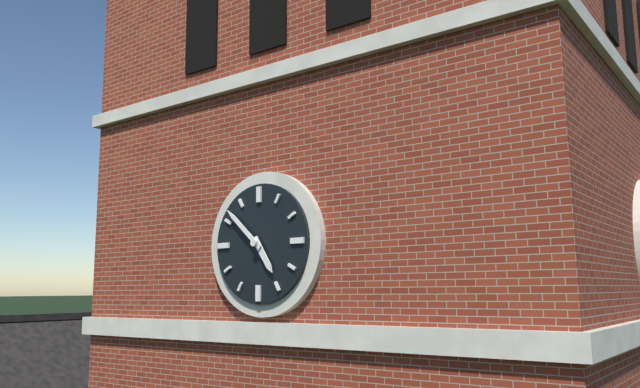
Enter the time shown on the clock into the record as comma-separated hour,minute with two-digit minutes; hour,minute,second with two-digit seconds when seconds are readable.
4,52
